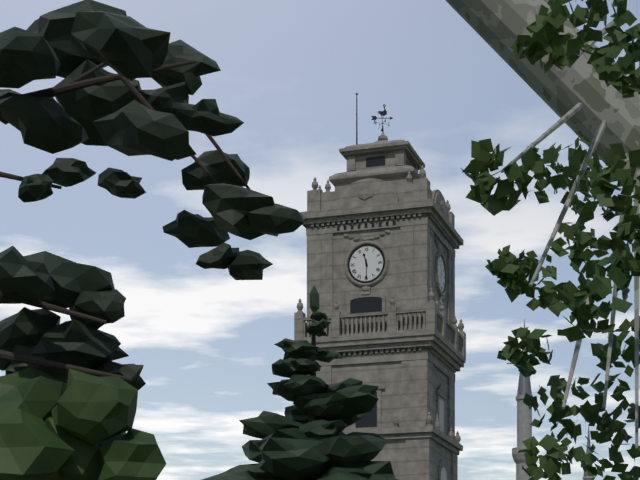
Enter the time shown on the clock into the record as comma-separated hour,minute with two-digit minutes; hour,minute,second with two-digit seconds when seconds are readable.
11,30
